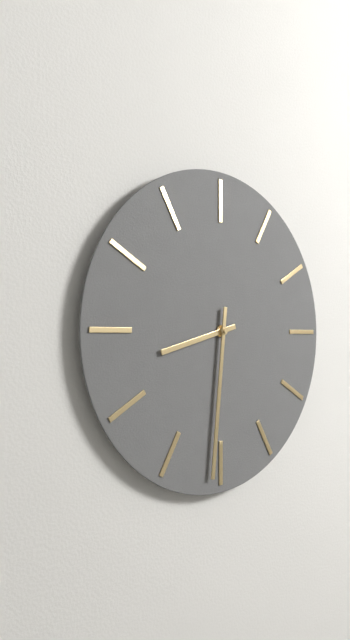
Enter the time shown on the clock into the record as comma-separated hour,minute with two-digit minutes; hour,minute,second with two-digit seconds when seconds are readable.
8,31
